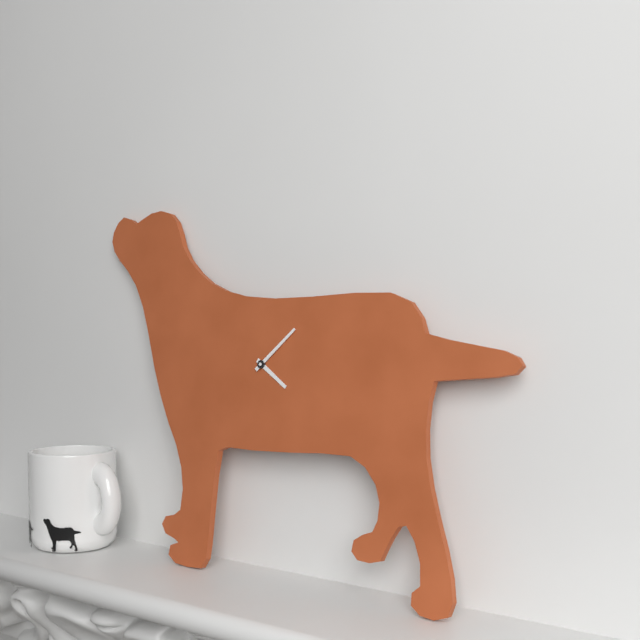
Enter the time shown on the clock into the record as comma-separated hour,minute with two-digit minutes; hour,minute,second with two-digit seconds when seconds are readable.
4,08
